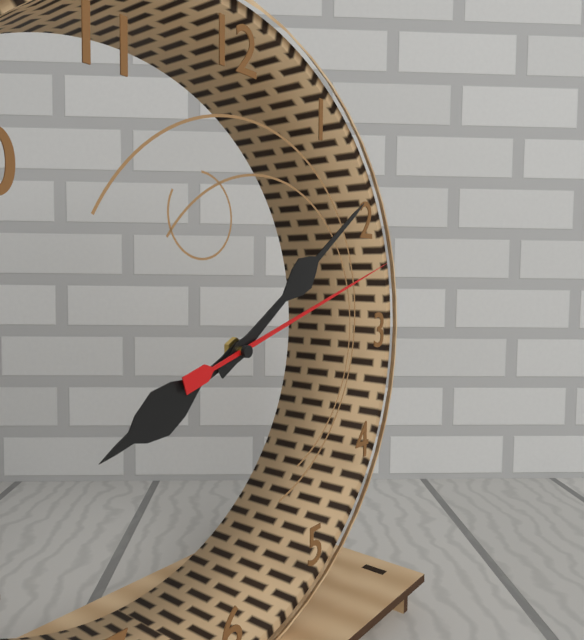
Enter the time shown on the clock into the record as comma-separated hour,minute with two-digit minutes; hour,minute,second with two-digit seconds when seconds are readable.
8,09,12
